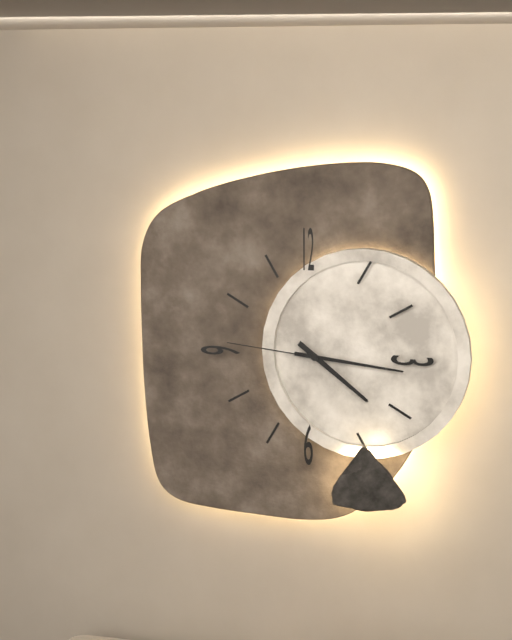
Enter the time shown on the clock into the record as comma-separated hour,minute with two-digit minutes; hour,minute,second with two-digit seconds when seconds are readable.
4,16,46
